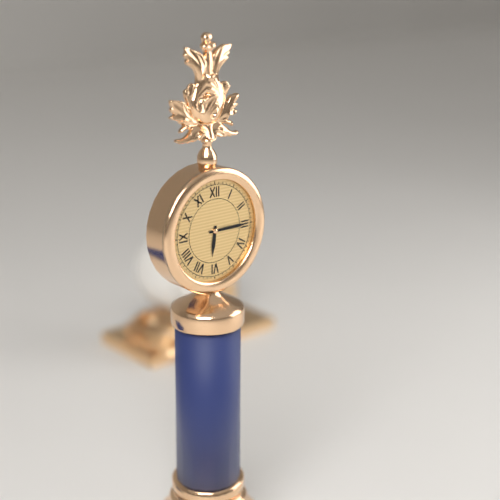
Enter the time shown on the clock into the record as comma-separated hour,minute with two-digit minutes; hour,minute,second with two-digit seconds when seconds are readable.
6,15
